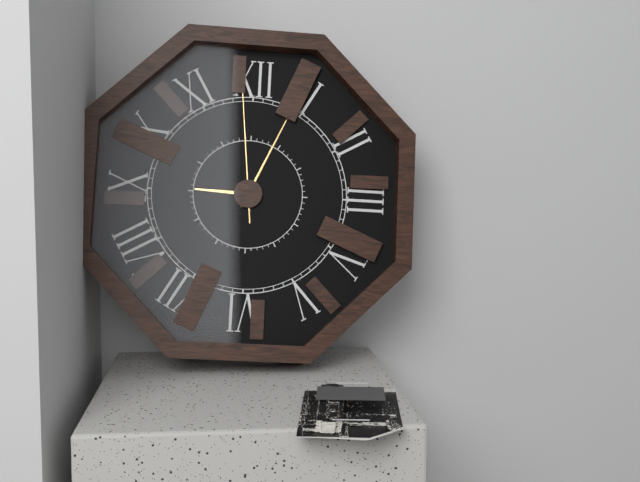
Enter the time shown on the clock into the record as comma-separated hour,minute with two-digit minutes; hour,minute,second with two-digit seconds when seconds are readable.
9,04,59
